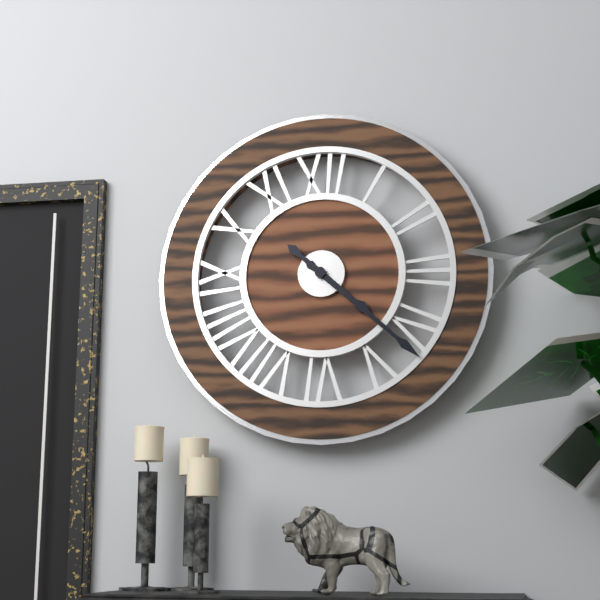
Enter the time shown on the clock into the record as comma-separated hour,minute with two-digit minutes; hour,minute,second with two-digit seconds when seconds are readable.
4,22
